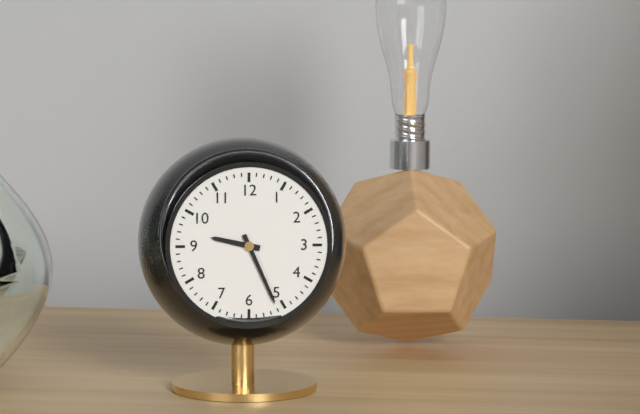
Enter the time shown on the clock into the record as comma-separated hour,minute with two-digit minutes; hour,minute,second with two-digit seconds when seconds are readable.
9,26
